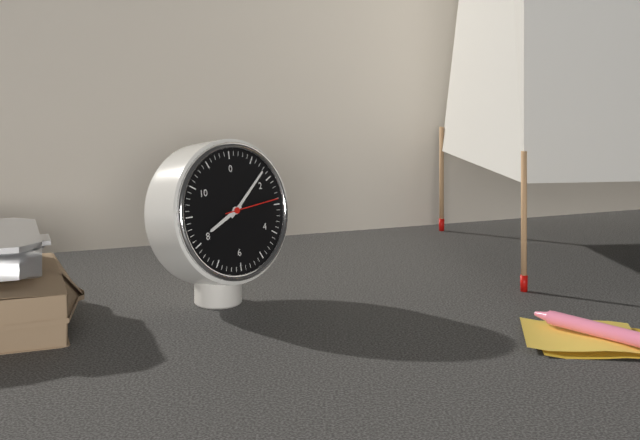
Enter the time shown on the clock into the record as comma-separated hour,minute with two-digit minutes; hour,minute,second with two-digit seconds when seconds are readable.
8,08,14
